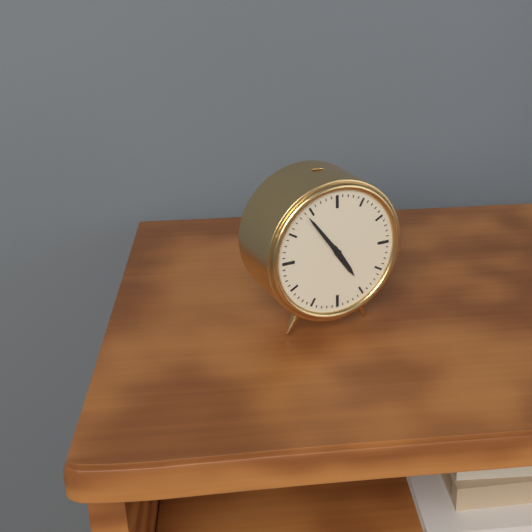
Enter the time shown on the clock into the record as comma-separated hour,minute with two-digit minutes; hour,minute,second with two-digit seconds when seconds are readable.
4,54
